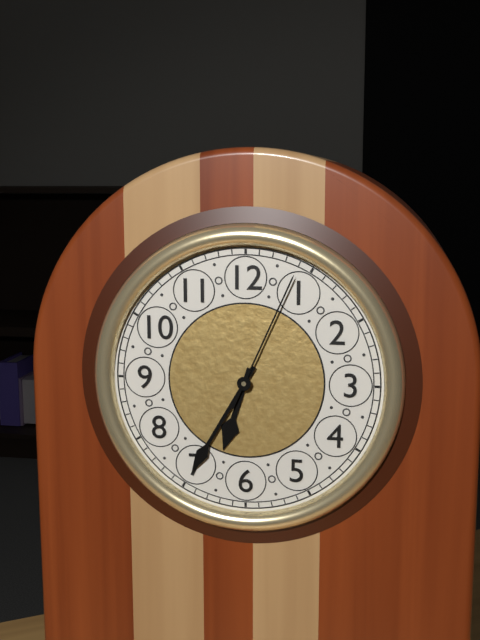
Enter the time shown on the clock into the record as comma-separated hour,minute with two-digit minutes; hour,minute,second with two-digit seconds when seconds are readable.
6,35,04
